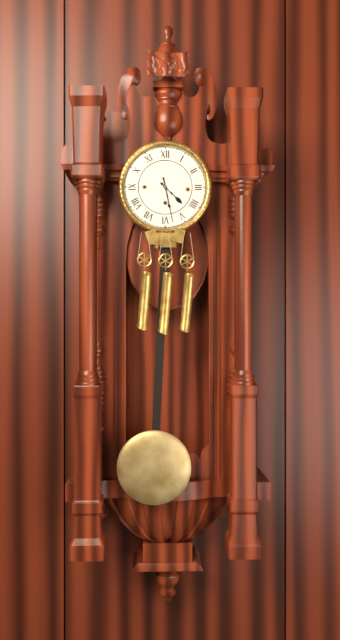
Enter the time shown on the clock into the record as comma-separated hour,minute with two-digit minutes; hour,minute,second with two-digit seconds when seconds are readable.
4,28
